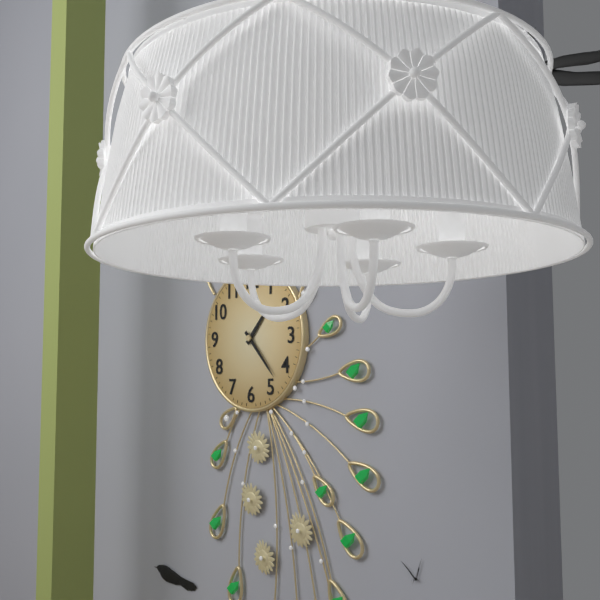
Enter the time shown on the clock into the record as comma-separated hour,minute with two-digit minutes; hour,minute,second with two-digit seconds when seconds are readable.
1,23
